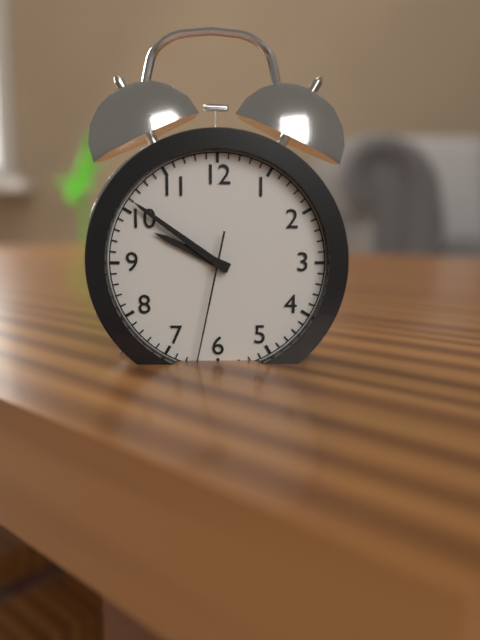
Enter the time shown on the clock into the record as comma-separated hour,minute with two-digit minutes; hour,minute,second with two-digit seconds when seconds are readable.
9,51,32
